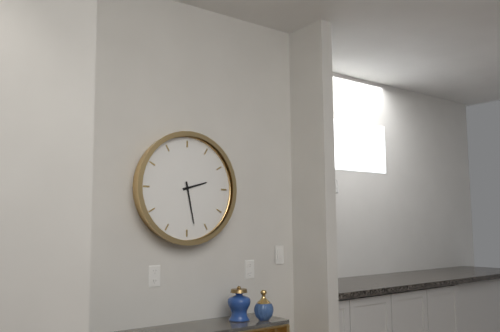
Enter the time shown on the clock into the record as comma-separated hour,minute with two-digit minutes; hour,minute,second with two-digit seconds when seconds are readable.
2,28
